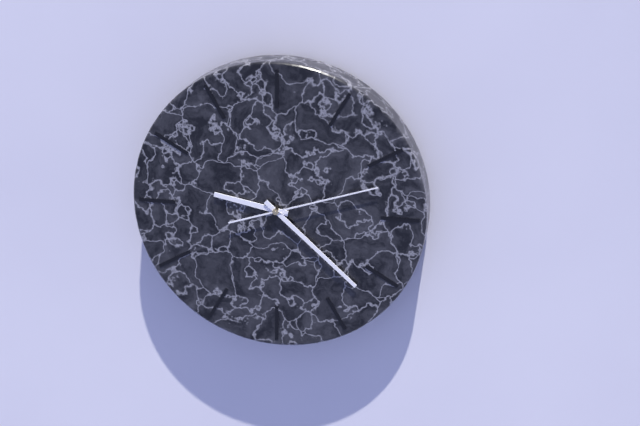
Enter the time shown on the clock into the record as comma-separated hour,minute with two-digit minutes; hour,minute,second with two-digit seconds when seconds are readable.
9,22,12
